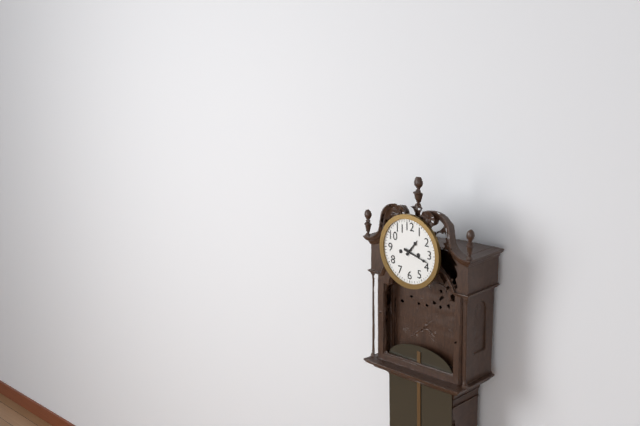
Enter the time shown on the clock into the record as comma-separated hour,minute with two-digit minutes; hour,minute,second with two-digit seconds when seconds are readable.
1,18
